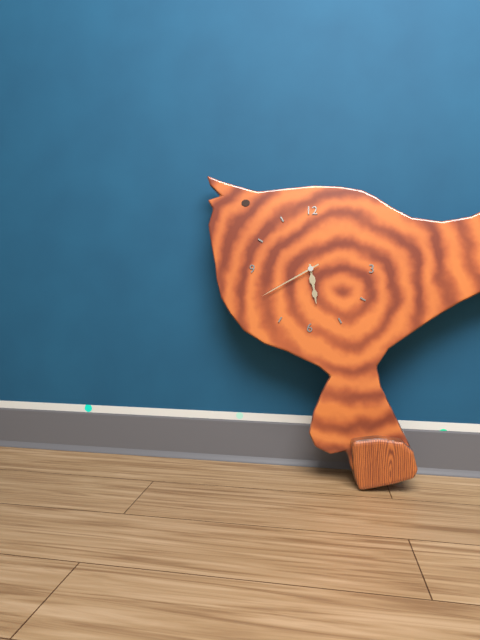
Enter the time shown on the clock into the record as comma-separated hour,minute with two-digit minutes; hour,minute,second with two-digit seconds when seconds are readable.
5,40
